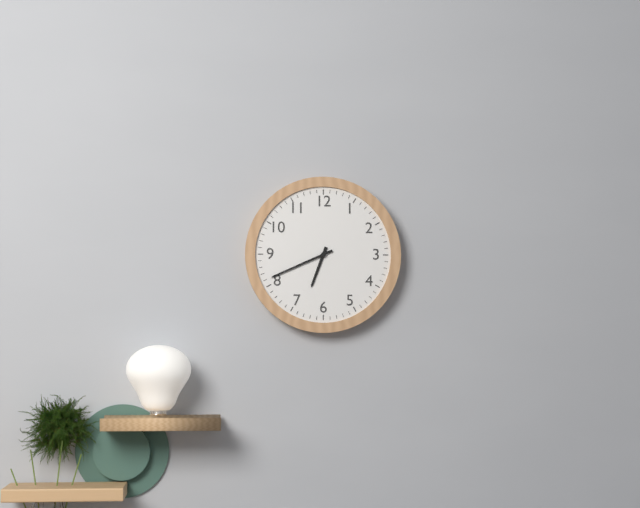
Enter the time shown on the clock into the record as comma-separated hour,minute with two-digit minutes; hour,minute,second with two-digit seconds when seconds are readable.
6,41
